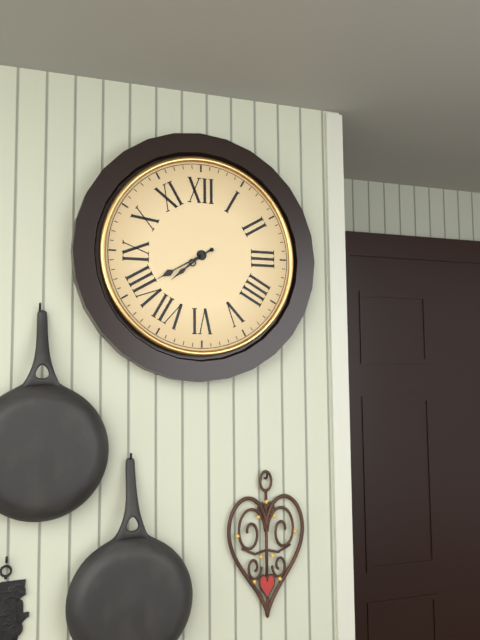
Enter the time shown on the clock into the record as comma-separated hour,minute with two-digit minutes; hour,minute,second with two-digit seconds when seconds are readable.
7,40
